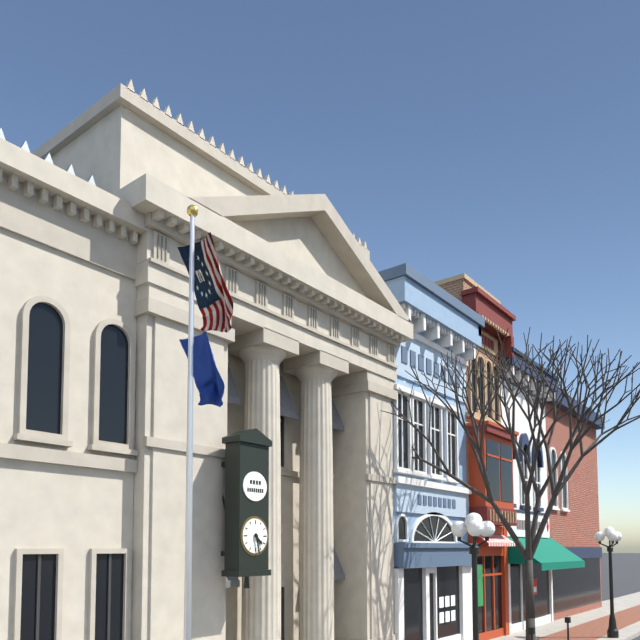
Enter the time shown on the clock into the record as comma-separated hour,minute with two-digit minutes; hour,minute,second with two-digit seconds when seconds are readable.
4,28
